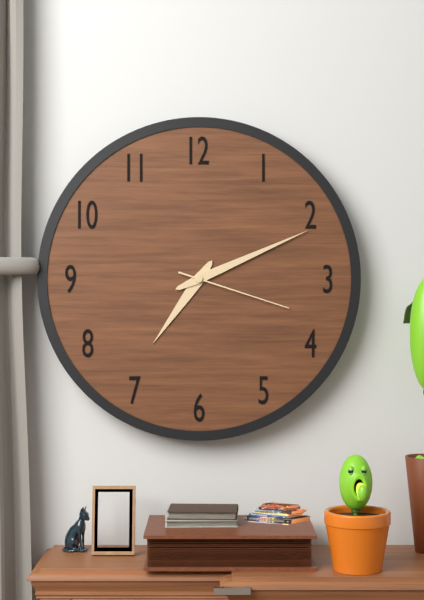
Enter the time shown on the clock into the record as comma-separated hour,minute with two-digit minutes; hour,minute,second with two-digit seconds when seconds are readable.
7,11,18
